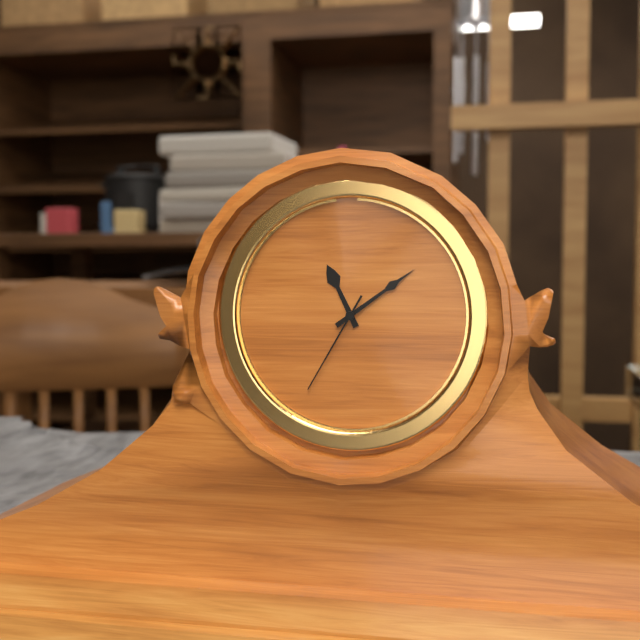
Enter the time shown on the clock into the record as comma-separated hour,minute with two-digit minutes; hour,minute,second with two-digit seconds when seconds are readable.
11,09,35
